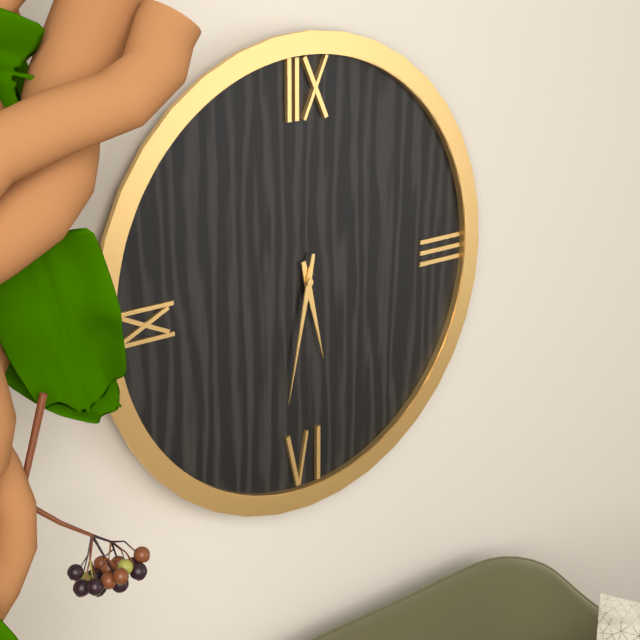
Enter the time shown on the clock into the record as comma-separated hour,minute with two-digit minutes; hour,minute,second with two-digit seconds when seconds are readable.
5,32
